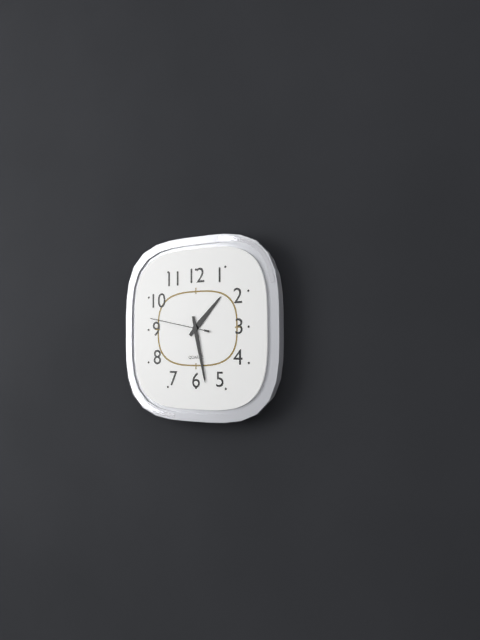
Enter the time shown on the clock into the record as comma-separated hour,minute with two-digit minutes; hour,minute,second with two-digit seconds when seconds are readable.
1,28,47
